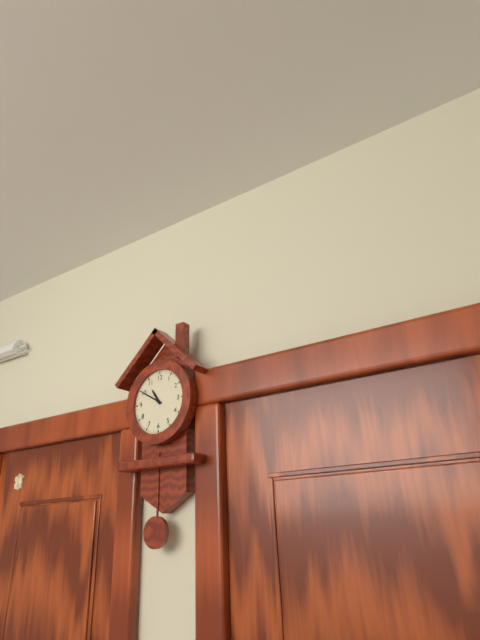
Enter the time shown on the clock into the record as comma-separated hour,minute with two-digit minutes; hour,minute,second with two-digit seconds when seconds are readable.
10,50
